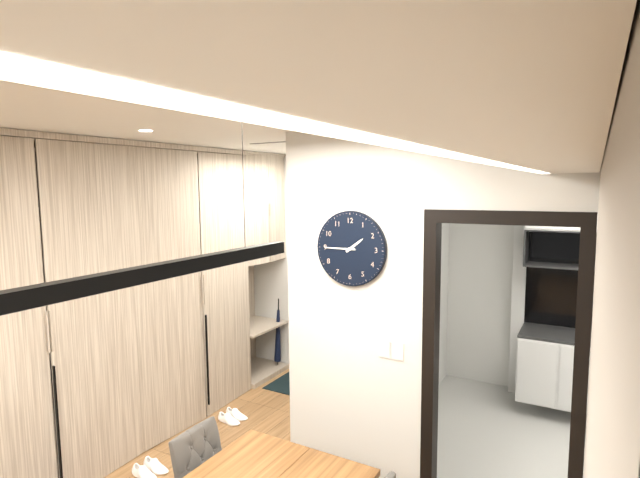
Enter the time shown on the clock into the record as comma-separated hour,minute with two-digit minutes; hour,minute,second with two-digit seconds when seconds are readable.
1,45
